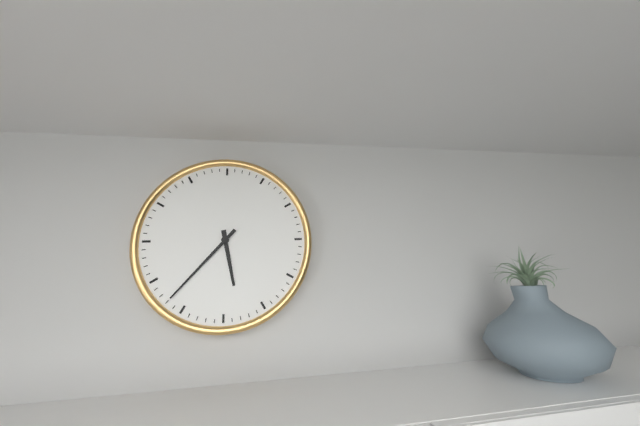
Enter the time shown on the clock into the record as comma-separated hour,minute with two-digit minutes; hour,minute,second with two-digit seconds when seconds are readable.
5,37
